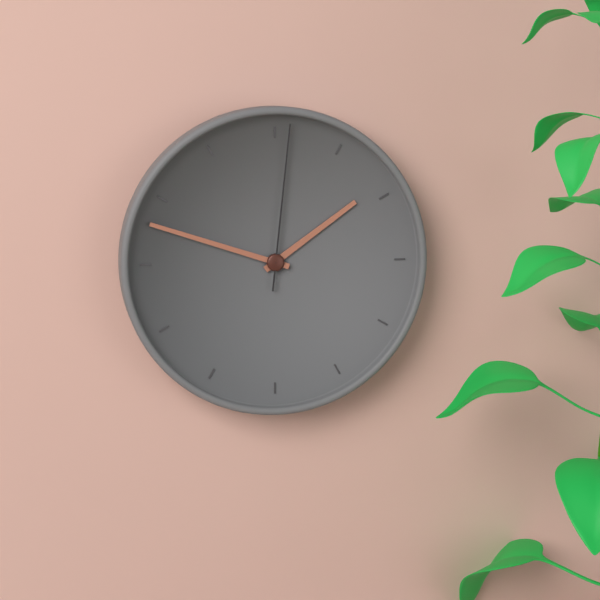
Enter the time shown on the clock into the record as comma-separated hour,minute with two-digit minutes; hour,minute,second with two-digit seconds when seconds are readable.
1,48,01
